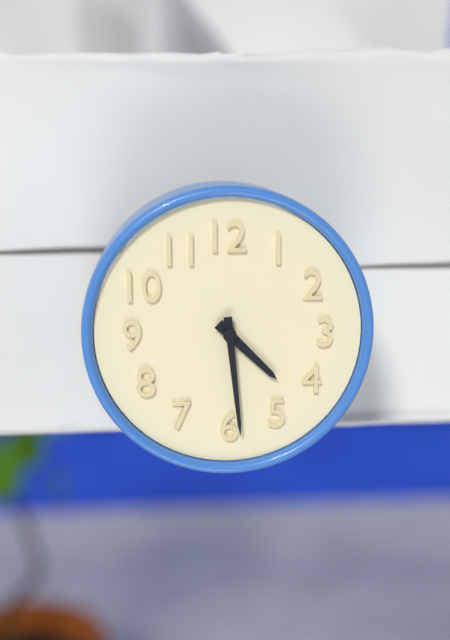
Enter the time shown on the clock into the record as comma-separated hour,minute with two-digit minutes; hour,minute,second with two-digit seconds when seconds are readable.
4,29
